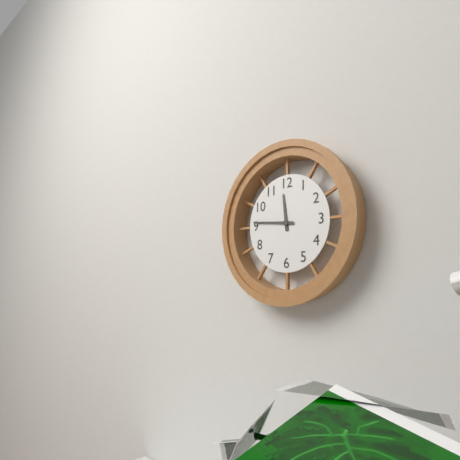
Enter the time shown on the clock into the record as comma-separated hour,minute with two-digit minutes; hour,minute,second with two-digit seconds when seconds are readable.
11,46
